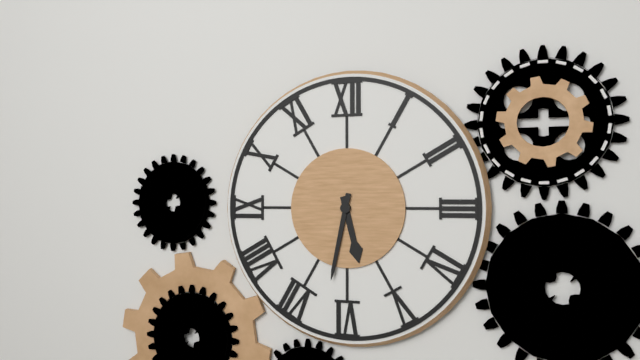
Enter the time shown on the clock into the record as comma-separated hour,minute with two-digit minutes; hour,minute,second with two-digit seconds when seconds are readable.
5,32
